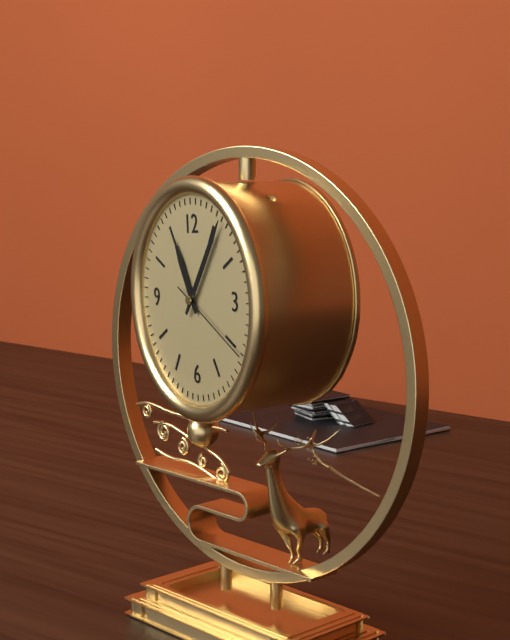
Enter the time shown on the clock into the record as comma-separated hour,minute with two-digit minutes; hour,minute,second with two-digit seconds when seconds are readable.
11,06,20
